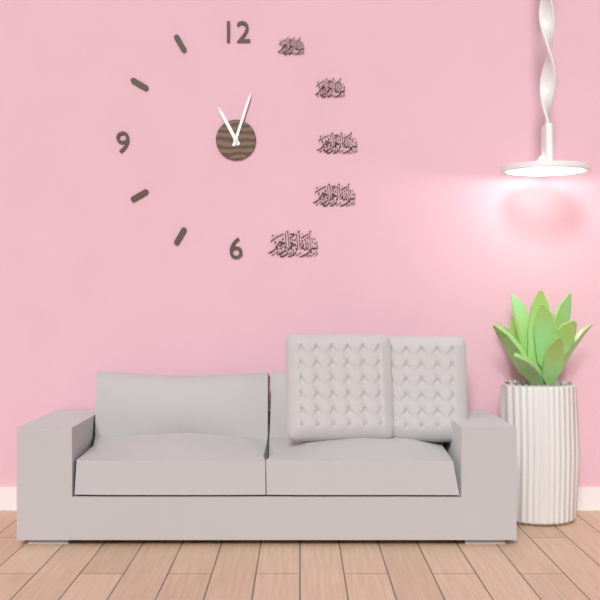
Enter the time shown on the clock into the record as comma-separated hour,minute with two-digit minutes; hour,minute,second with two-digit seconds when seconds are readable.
11,03
